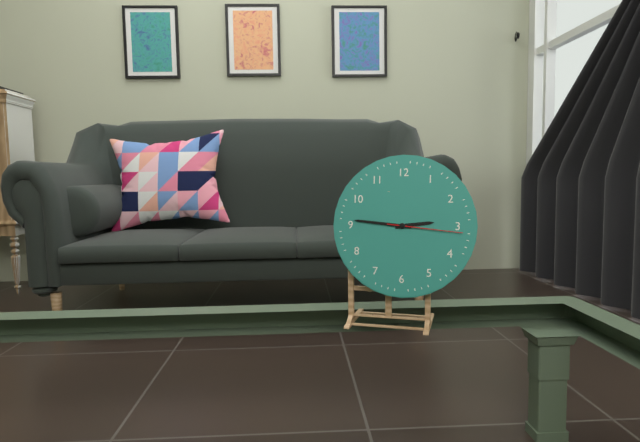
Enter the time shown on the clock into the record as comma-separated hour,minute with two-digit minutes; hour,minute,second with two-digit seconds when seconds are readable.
2,46,16
